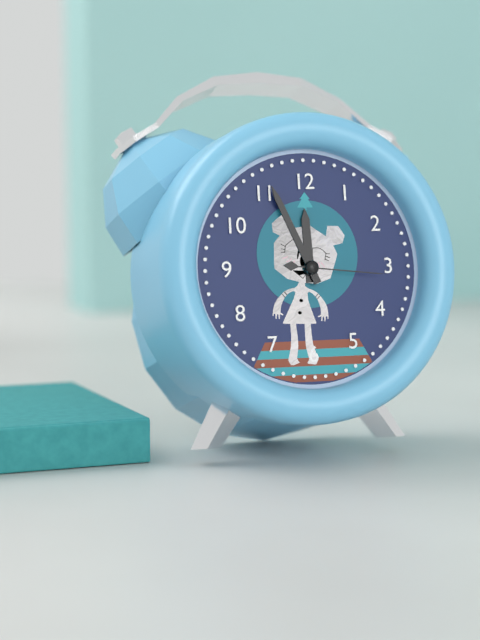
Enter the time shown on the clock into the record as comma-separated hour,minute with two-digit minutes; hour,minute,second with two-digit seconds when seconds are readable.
11,56,16
